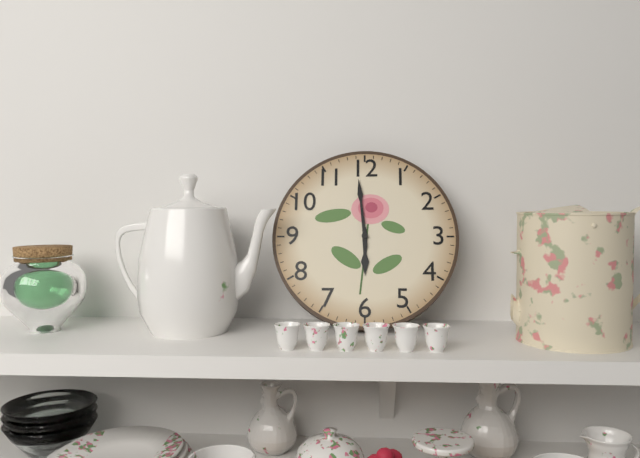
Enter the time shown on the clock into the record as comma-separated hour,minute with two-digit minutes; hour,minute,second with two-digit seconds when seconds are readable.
5,59
